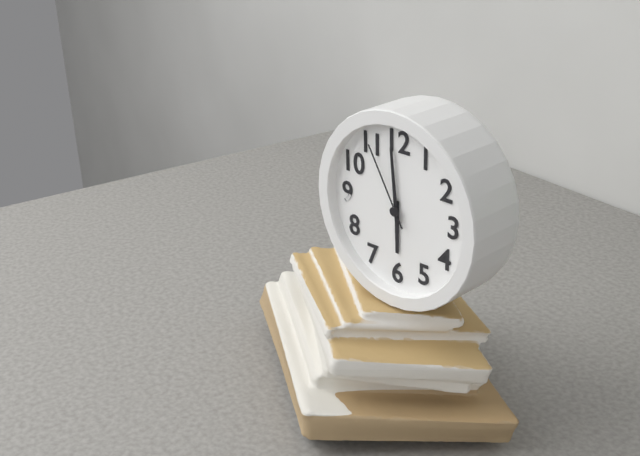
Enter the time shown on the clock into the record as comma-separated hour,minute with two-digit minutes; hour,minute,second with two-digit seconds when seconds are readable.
5,59,55
